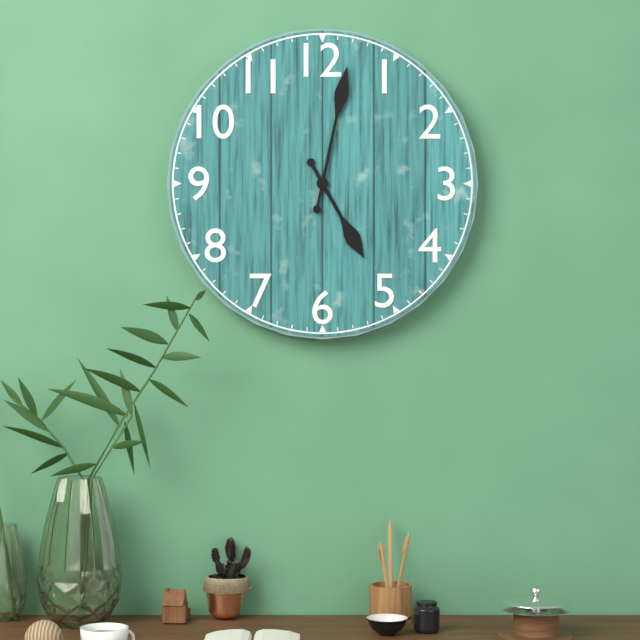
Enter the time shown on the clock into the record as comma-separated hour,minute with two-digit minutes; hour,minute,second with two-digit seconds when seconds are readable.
5,02
